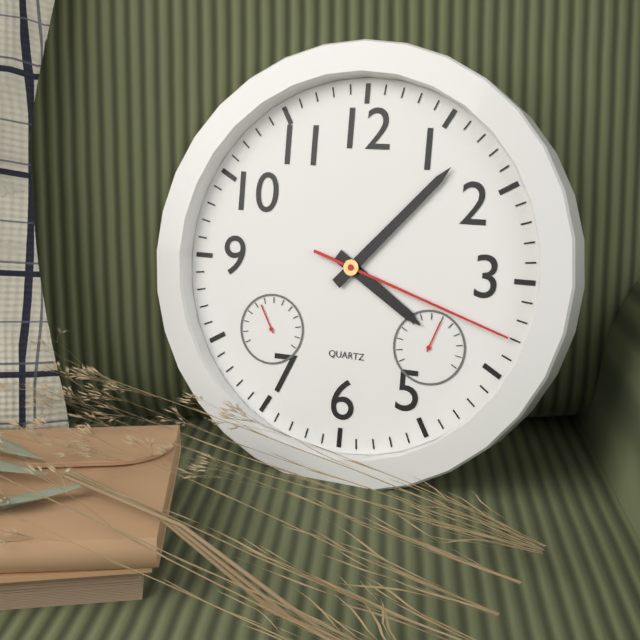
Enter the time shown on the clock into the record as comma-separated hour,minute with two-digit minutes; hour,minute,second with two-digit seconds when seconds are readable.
4,07,18
